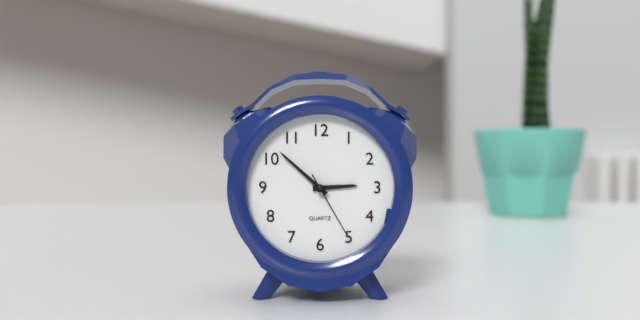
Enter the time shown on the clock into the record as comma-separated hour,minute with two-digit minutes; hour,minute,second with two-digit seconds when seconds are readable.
2,52,25
